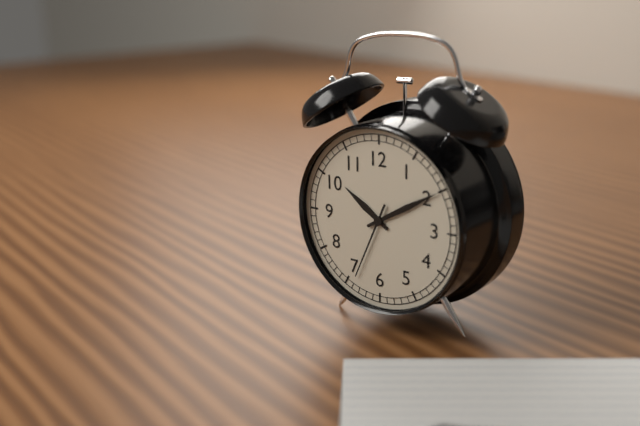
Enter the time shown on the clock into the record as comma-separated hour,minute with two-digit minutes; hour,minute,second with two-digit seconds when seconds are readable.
10,10,34
